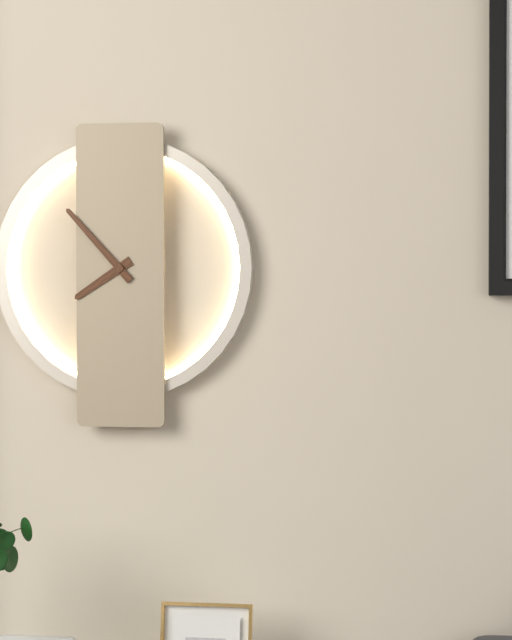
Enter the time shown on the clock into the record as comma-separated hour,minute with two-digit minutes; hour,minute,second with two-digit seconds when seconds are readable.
7,53
